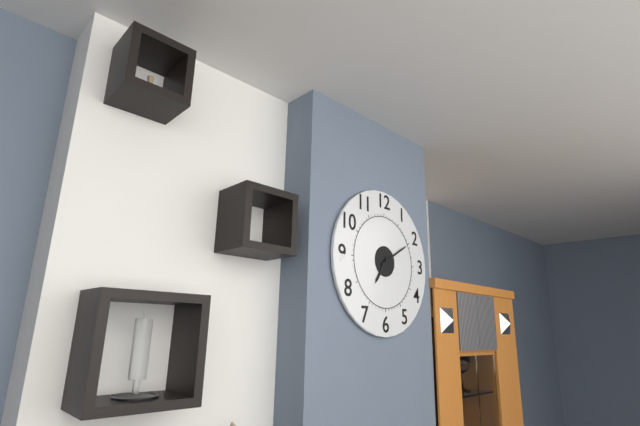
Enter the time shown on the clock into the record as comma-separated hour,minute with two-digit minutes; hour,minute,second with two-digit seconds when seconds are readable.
7,10
